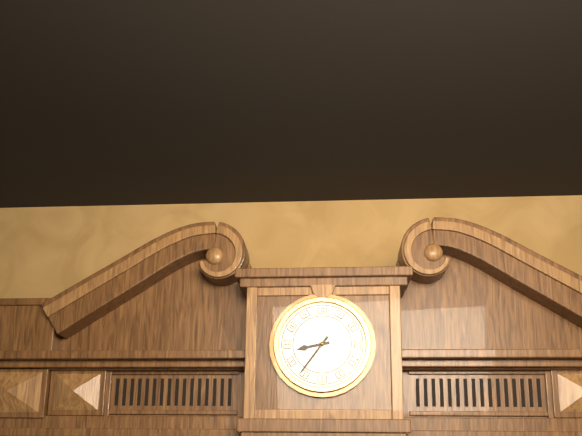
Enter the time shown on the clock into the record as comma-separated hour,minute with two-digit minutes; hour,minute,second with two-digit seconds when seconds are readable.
8,36
